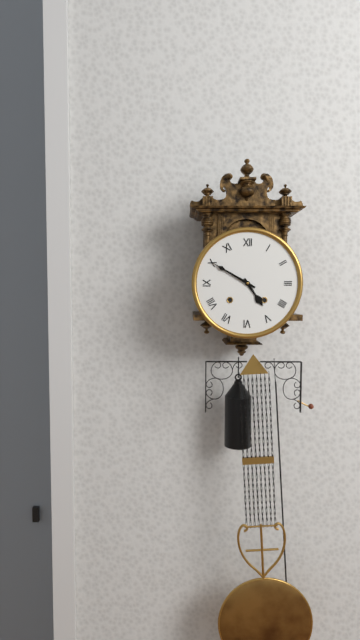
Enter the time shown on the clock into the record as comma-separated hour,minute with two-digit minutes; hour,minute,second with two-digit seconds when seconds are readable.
4,50
